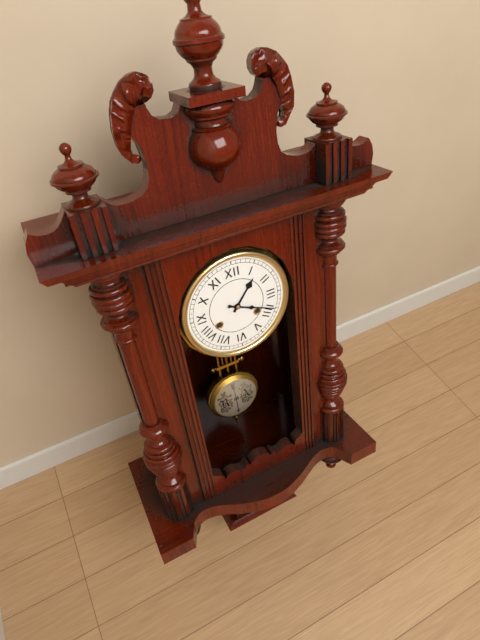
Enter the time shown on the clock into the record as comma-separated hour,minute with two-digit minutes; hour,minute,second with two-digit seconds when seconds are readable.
1,19
